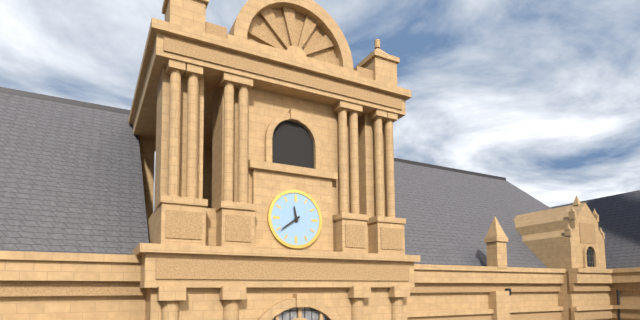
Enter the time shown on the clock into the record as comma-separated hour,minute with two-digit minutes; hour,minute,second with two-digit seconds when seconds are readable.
11,39
